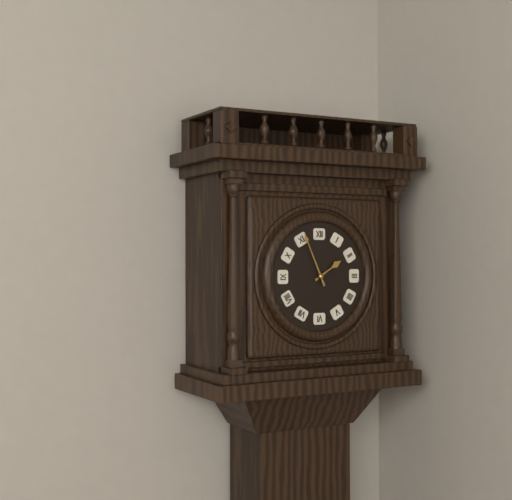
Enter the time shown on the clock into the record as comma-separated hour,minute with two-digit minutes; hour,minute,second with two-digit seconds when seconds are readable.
1,56
